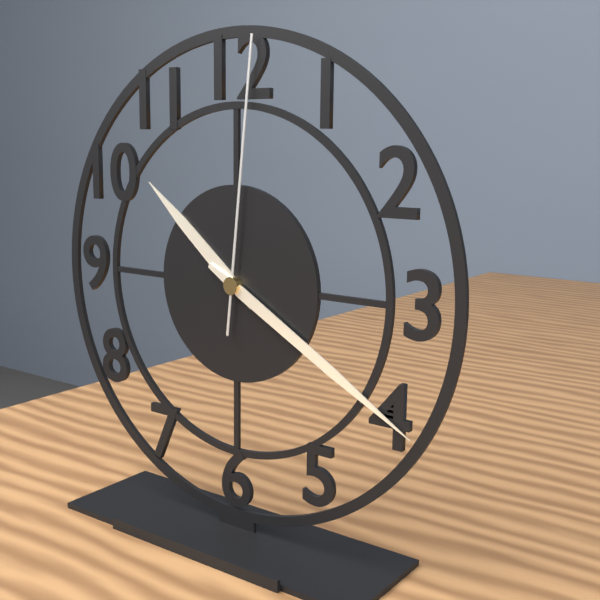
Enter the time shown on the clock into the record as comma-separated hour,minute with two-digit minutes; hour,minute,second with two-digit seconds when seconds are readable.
10,20,01
